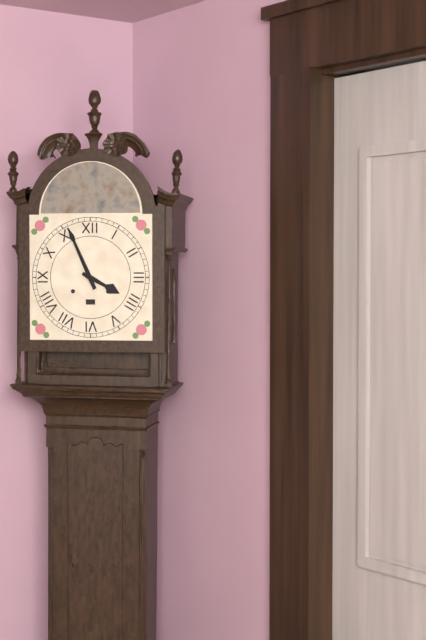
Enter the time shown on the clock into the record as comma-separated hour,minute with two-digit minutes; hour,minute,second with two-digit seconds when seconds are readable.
3,56
